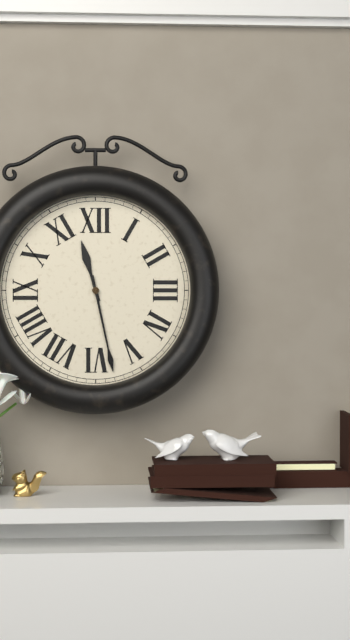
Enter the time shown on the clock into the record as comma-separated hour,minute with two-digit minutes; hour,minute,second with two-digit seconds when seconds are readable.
11,28
